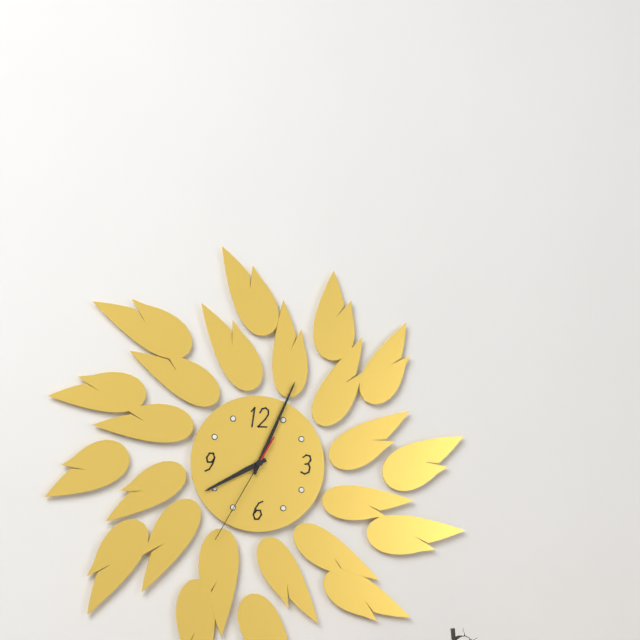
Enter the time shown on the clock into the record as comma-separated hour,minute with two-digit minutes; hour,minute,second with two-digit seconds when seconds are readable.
8,04,35
